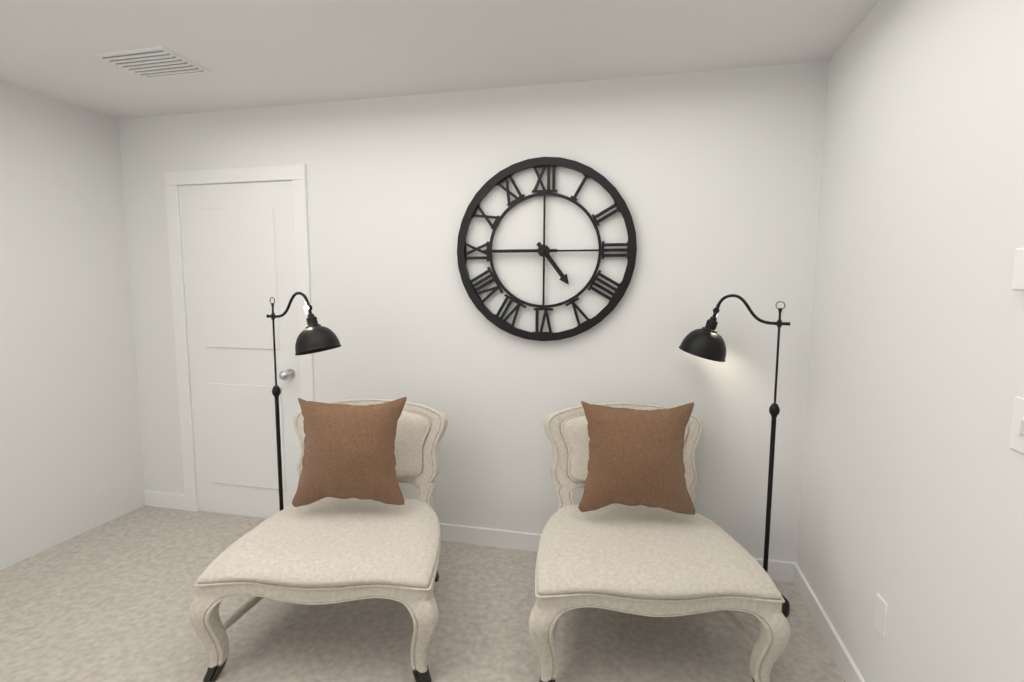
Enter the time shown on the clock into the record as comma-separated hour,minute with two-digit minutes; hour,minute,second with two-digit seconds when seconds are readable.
4,45
